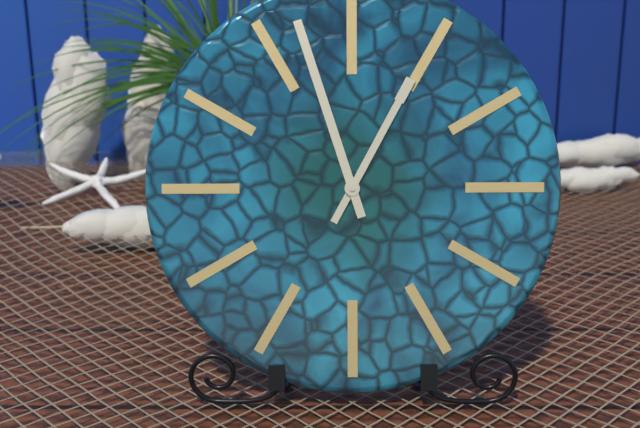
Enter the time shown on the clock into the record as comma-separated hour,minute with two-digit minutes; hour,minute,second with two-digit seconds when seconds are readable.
12,57
